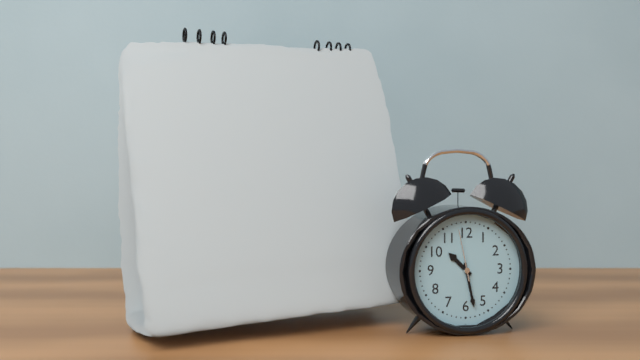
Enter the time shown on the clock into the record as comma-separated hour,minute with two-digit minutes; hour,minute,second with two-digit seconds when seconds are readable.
10,28,58
